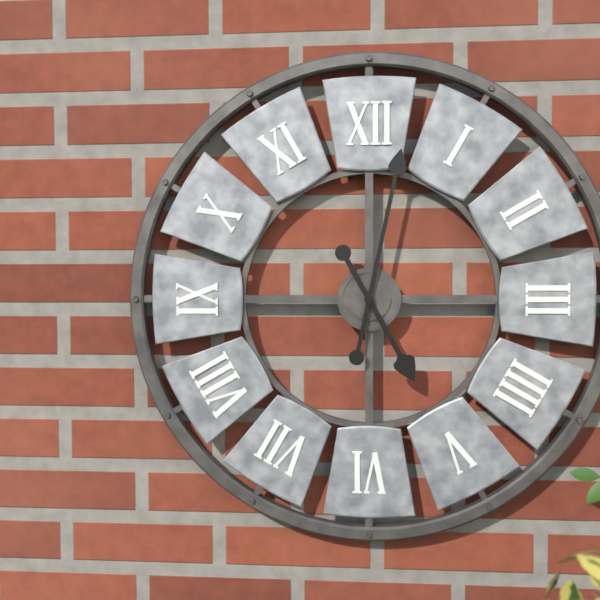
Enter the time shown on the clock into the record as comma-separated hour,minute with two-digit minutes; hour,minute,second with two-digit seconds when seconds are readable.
5,02
